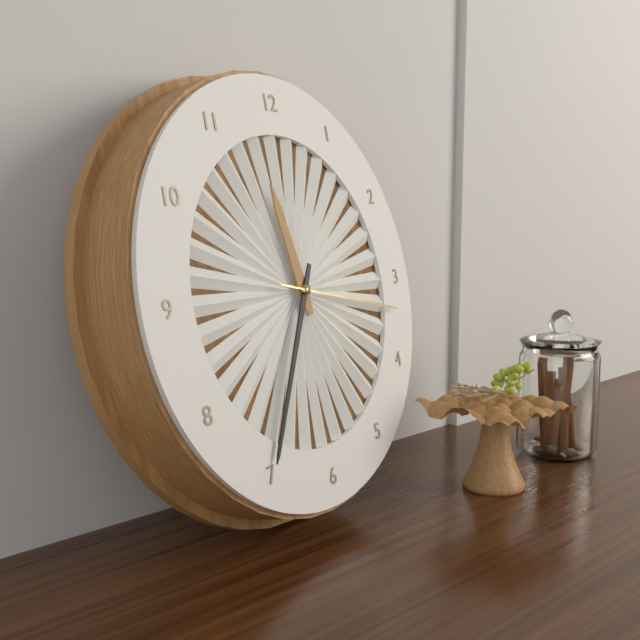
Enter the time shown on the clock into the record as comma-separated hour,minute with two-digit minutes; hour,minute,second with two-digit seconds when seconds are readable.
11,35,17
